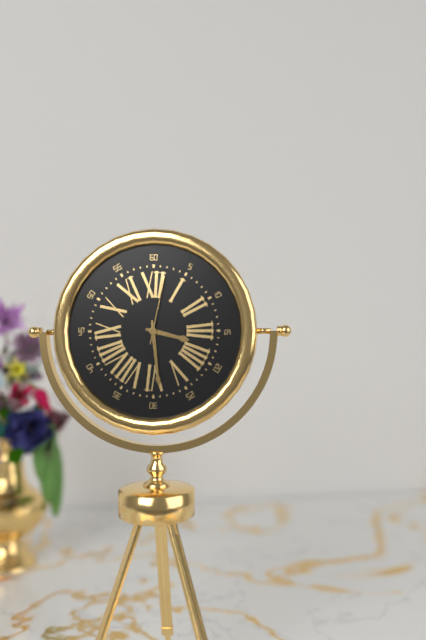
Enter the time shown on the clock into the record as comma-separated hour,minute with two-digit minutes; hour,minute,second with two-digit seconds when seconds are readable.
3,29,02
